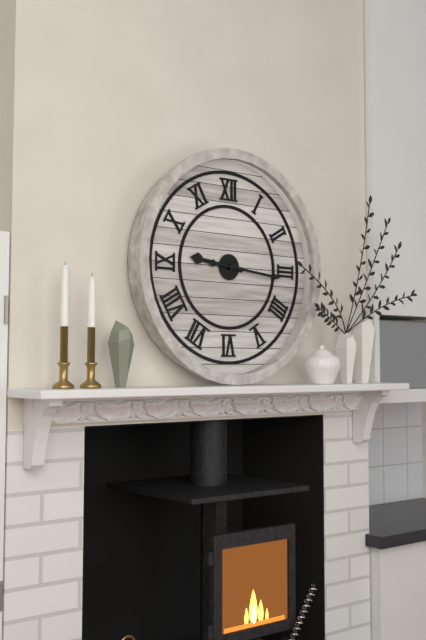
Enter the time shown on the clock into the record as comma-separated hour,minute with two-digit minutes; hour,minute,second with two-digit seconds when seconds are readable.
9,16
